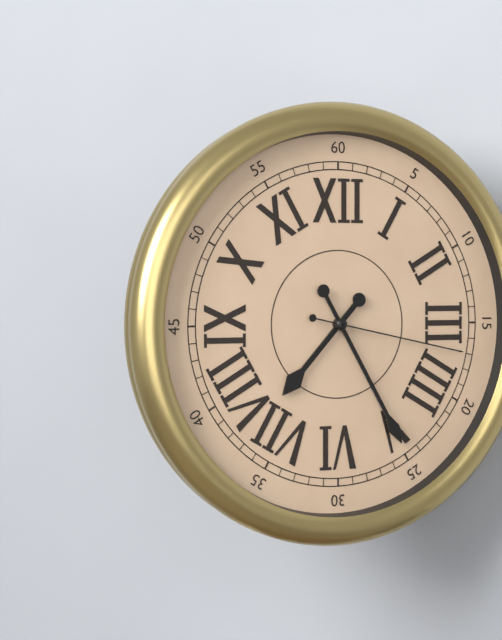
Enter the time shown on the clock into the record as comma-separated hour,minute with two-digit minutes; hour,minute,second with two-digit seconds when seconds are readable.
7,25,17
